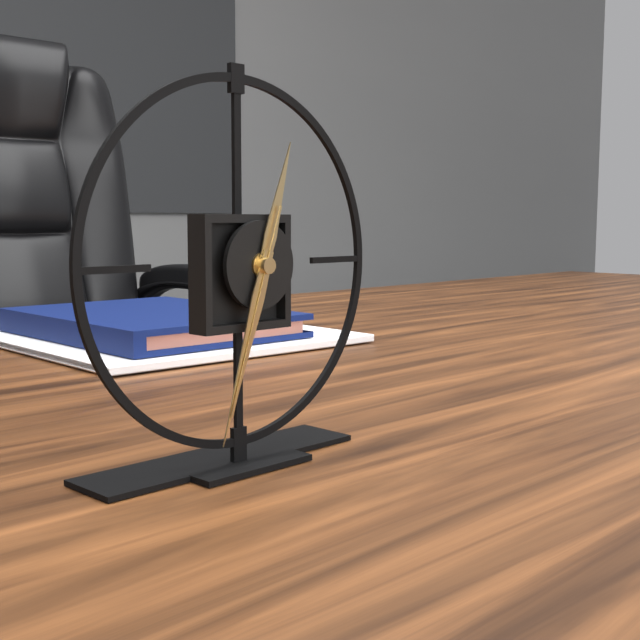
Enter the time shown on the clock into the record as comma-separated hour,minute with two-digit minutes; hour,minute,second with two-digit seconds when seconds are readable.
12,33,33
